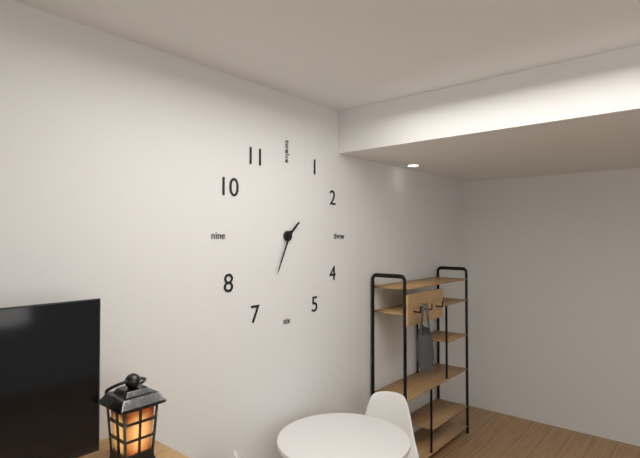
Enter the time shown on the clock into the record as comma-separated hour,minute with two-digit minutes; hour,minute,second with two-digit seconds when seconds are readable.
1,34
